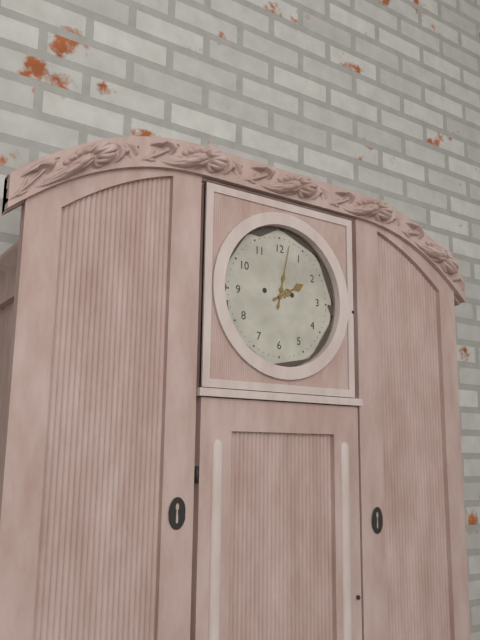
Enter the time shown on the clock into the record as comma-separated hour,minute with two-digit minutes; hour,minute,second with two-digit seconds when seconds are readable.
2,02
